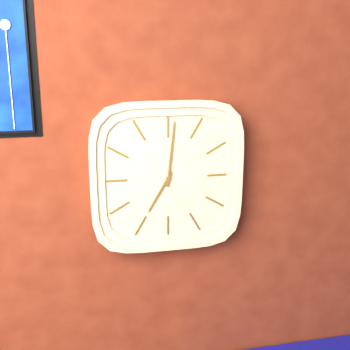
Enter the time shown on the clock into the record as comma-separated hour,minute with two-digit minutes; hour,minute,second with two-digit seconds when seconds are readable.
7,01
